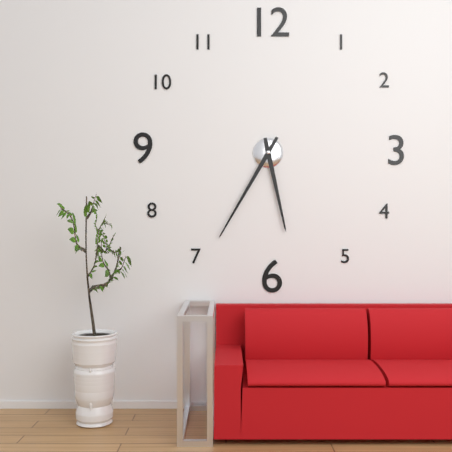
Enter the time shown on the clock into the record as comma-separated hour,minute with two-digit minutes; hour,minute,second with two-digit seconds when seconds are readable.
5,35
